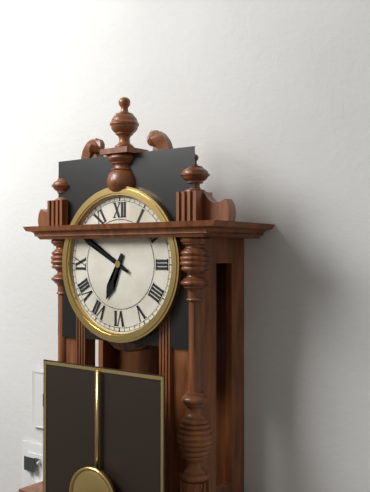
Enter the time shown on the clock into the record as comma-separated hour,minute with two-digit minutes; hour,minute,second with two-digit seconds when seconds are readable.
6,50
